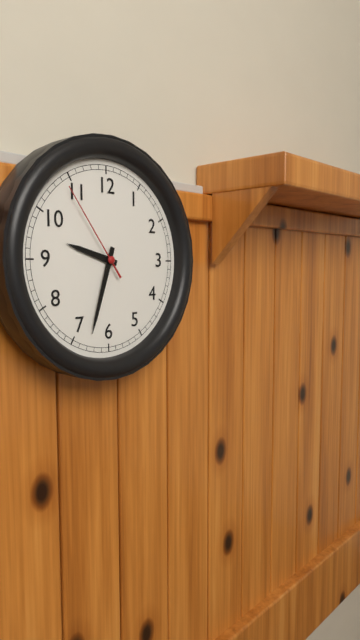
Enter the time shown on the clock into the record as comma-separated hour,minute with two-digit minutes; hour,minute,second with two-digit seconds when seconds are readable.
9,33,54
